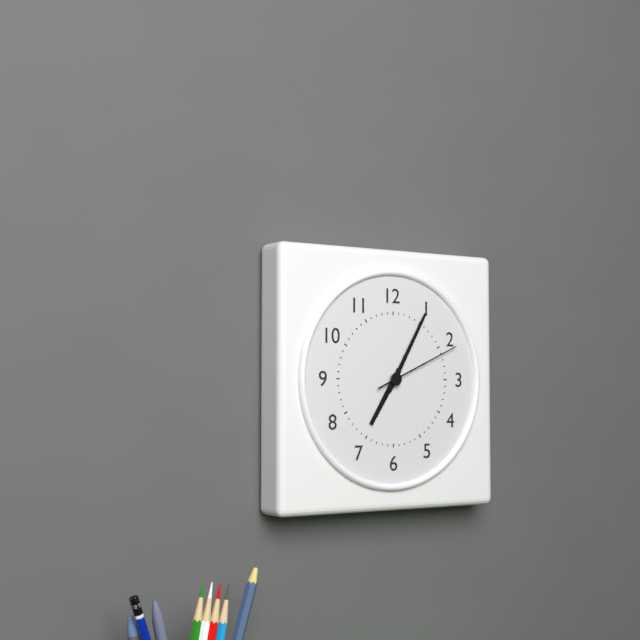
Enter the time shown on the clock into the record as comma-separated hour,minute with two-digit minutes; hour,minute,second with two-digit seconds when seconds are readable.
7,05,11
